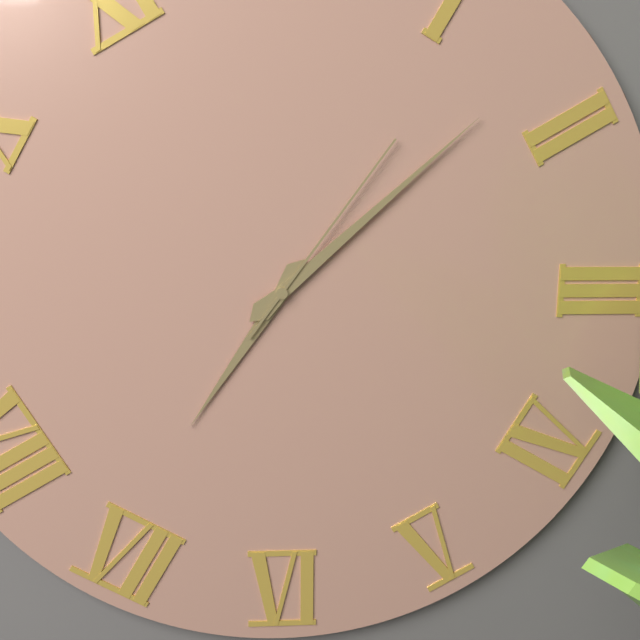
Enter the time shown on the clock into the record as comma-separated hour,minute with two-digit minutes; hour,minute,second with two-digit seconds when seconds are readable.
7,08,06
